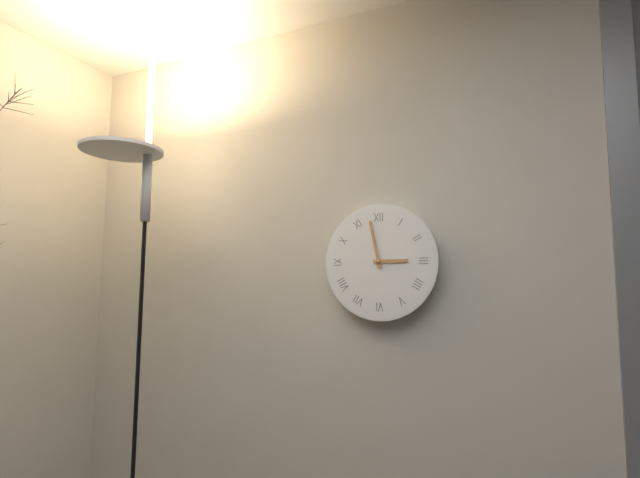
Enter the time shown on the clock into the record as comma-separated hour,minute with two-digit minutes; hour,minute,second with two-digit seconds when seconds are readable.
2,58
